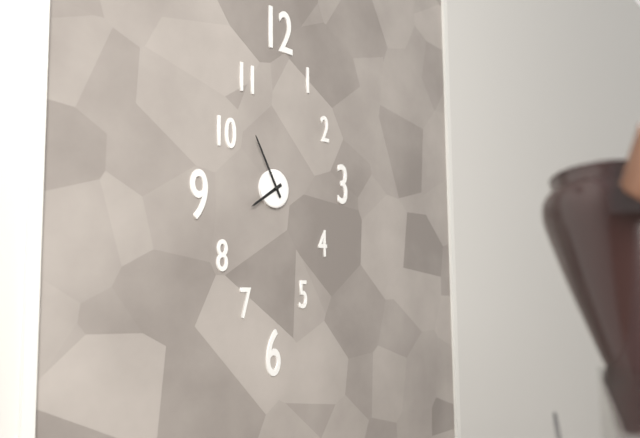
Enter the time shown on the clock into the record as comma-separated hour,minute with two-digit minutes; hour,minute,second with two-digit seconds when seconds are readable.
7,55
